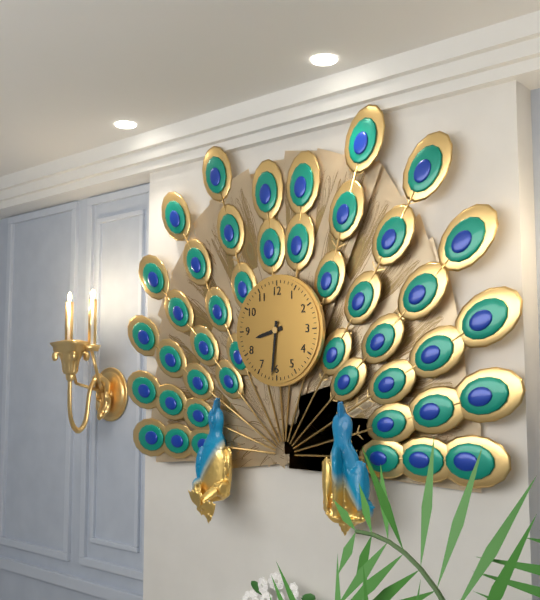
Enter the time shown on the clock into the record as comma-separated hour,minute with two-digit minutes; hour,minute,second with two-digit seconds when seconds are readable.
8,31
